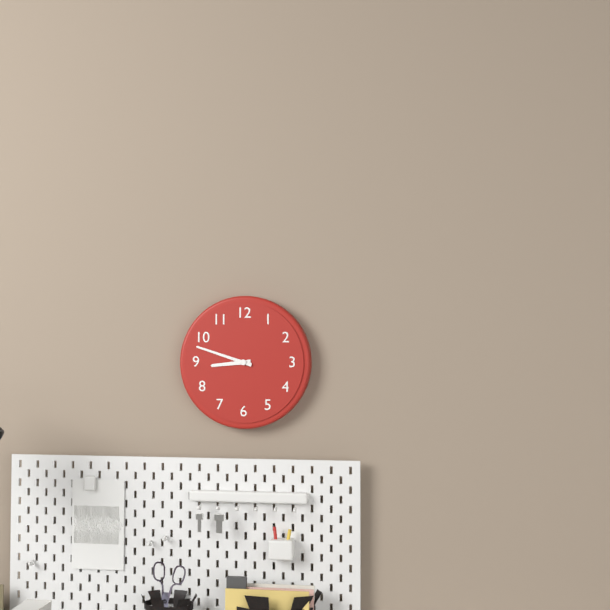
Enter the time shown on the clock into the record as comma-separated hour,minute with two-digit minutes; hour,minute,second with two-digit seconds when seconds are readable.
8,48
